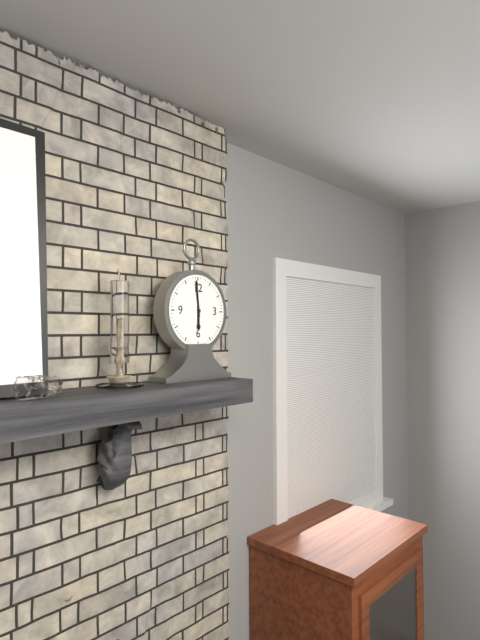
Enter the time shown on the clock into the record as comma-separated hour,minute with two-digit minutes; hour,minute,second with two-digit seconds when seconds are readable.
5,59
